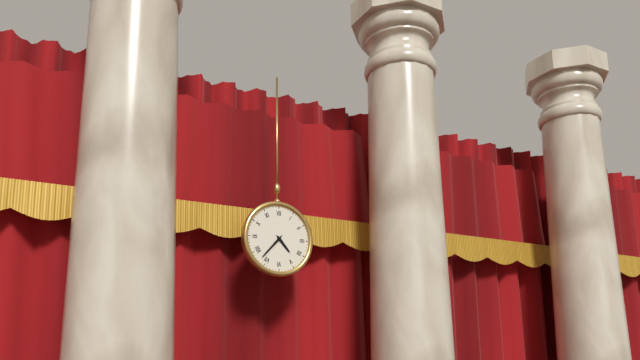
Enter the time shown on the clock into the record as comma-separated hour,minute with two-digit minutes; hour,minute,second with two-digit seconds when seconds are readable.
4,37
